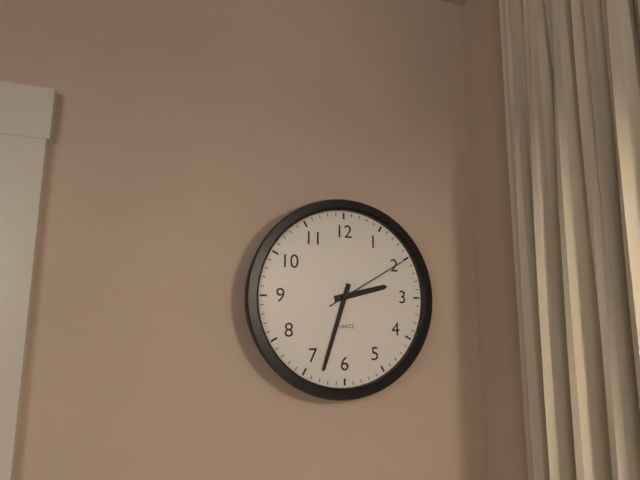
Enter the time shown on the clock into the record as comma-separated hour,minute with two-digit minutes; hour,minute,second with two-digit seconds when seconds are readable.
2,33,10
